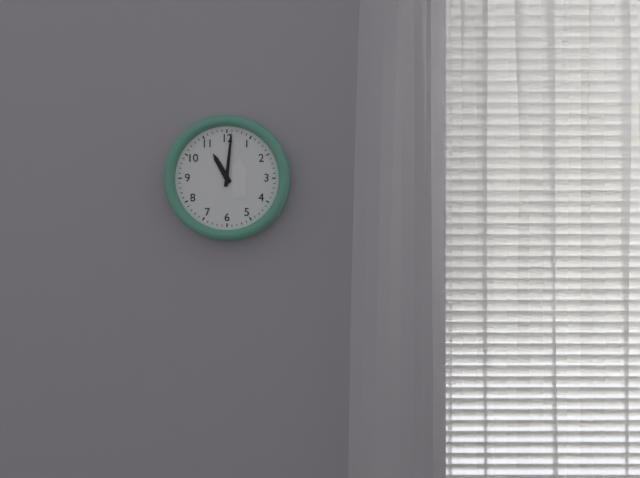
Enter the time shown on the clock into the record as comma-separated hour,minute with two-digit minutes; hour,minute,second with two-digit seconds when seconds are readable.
11,01
